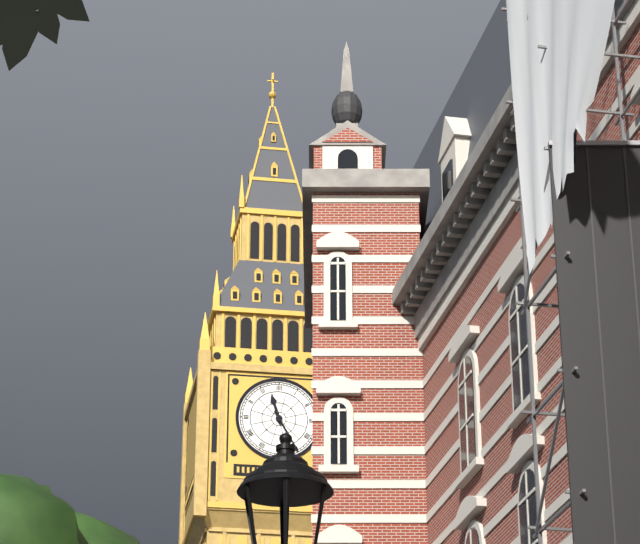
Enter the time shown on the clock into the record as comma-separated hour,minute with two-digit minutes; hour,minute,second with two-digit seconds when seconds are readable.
11,25
